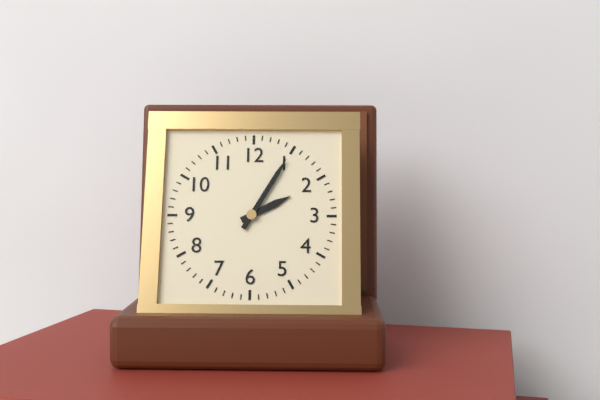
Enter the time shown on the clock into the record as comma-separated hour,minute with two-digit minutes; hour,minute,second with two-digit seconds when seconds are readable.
2,05
